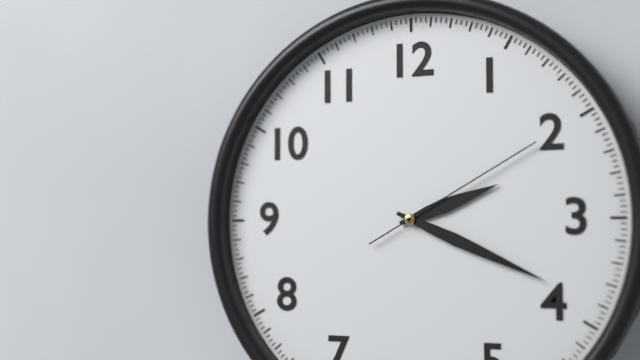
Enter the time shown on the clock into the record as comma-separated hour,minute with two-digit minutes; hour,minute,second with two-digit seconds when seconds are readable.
2,19,10
